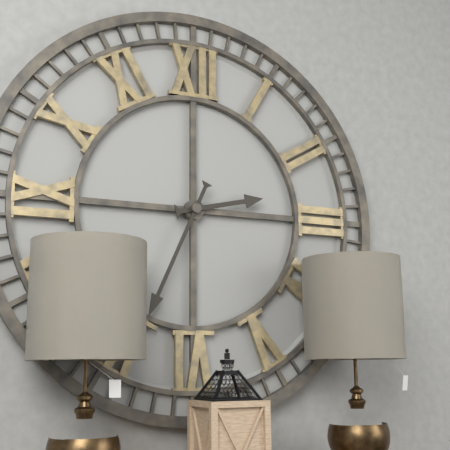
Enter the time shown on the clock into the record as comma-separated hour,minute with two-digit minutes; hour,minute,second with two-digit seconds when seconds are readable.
2,34
